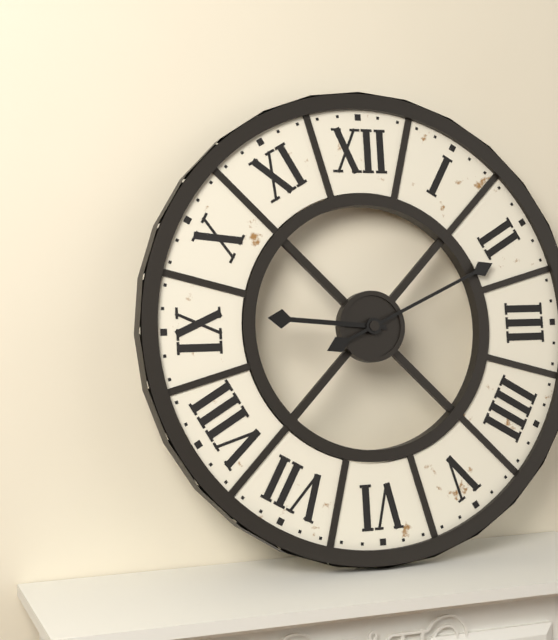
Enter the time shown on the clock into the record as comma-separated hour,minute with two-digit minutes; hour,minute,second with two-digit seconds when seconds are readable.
9,11
